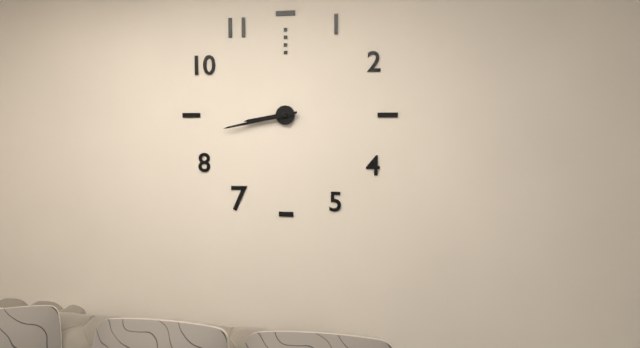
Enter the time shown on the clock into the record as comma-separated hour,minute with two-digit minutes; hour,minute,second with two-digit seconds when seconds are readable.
8,43
